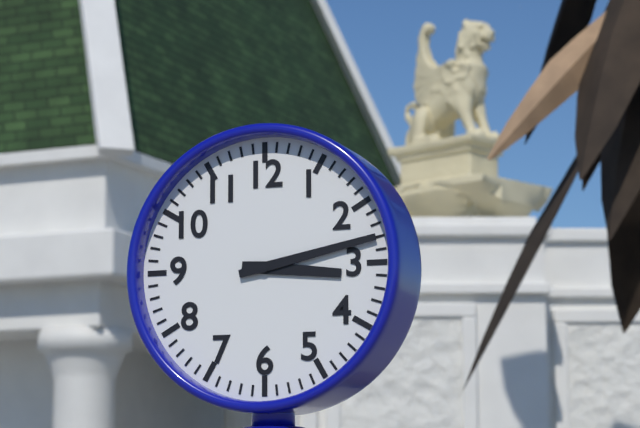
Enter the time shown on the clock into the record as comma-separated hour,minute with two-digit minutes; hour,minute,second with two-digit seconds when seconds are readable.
3,13
